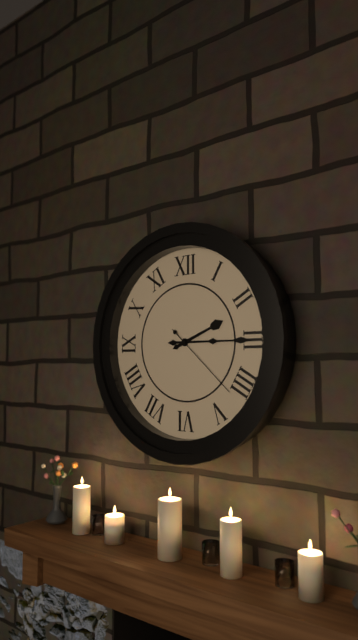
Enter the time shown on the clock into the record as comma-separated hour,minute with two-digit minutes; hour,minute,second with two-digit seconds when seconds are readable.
2,15,22
